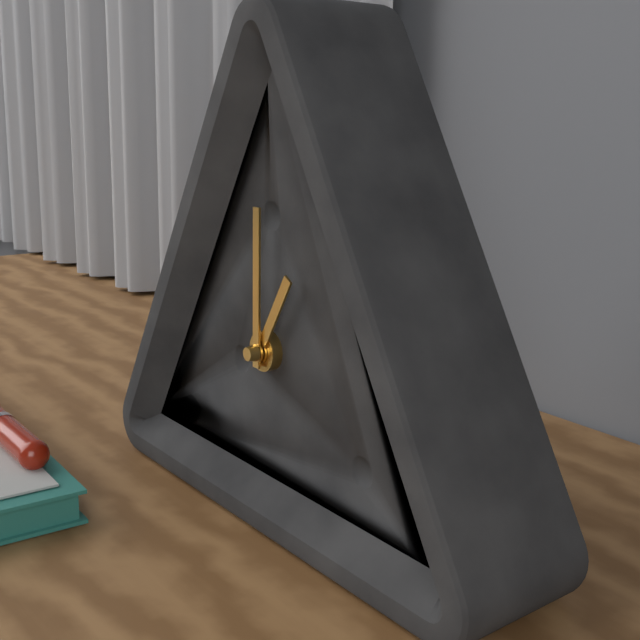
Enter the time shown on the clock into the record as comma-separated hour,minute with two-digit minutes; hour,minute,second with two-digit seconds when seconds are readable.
1,00
